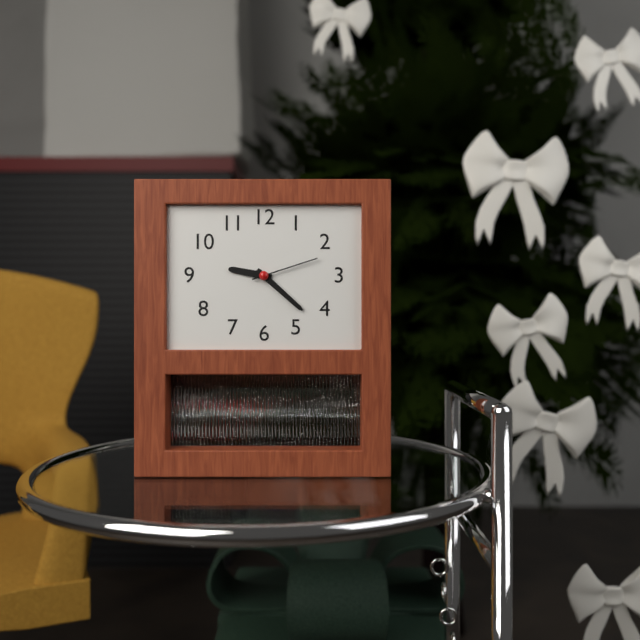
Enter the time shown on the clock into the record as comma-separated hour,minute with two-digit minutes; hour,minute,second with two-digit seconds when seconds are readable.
9,22,12
